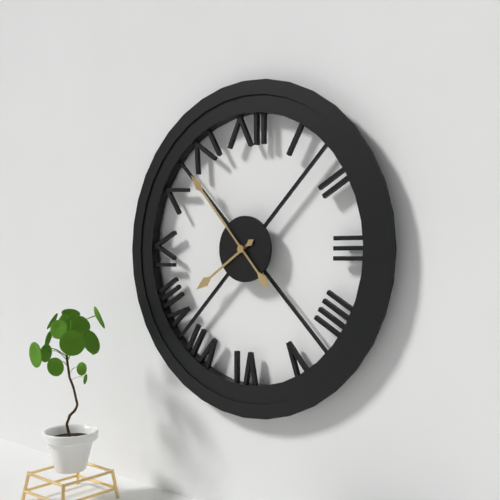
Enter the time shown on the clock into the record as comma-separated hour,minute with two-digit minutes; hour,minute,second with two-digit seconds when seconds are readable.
7,53
